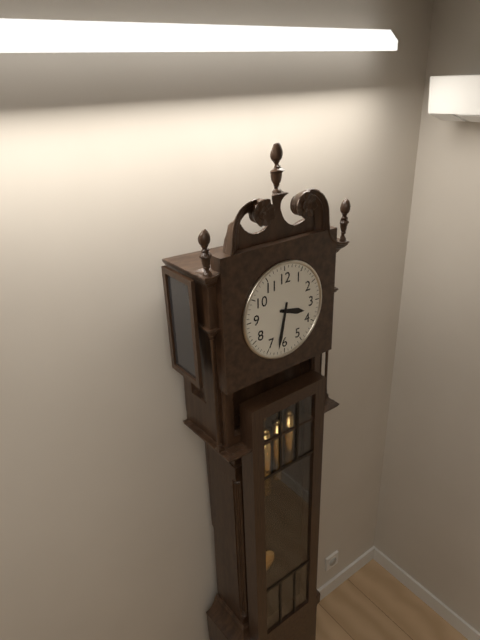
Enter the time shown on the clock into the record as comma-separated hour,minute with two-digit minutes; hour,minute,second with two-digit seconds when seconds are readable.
3,32
